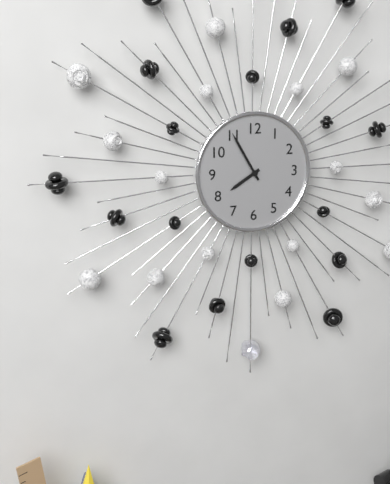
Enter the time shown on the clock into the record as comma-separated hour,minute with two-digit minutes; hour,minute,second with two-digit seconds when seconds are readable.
7,55
